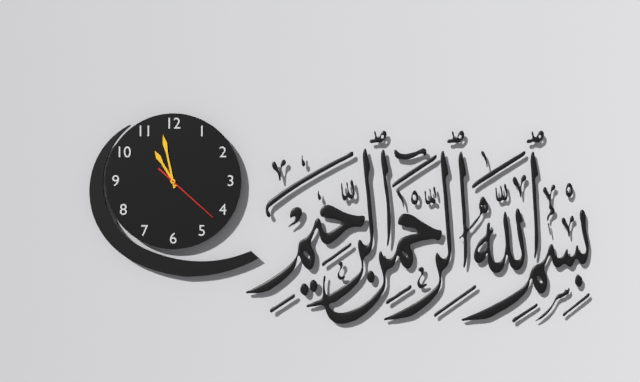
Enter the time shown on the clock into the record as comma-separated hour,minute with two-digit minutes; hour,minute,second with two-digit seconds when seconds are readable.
10,58,22
